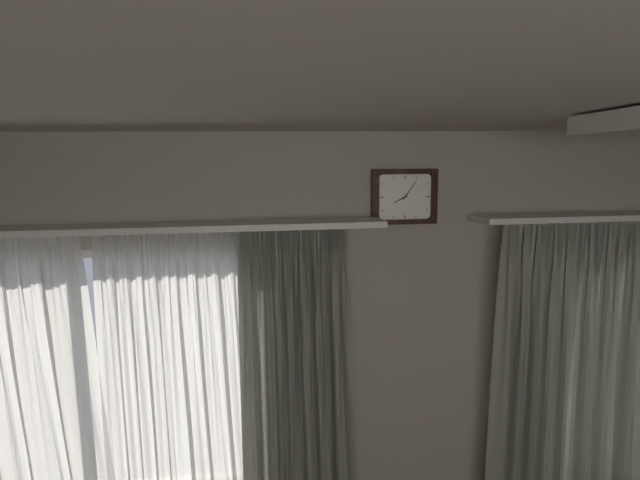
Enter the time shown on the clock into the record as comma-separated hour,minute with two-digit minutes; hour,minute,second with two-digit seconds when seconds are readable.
8,06
